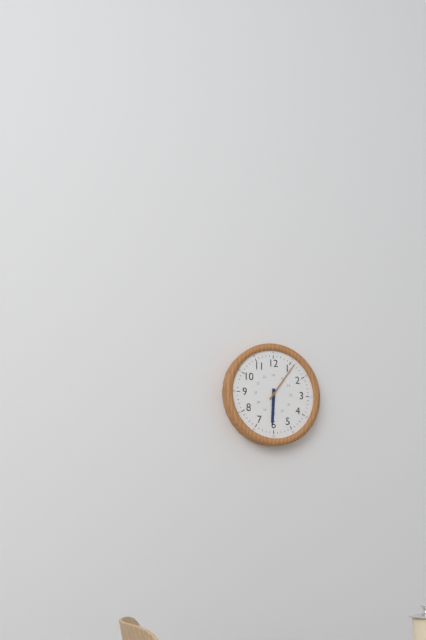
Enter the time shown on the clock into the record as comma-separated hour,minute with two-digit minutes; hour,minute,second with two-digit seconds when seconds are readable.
6,06
